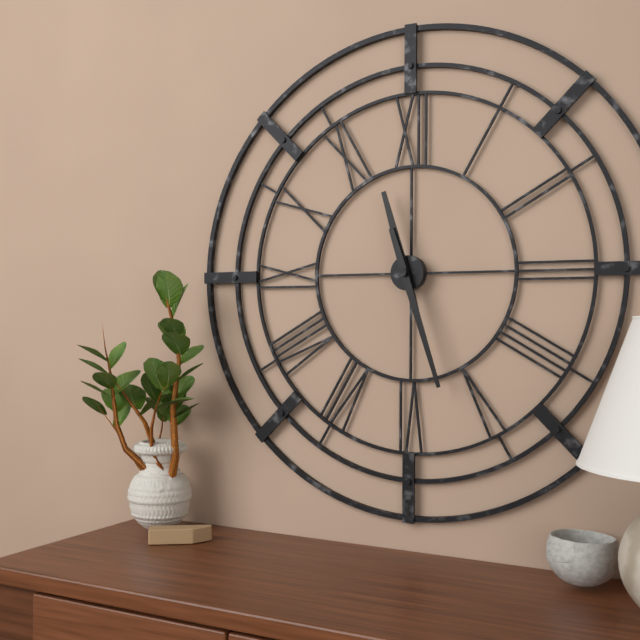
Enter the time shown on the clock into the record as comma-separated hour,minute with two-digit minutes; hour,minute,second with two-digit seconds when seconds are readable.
11,27
